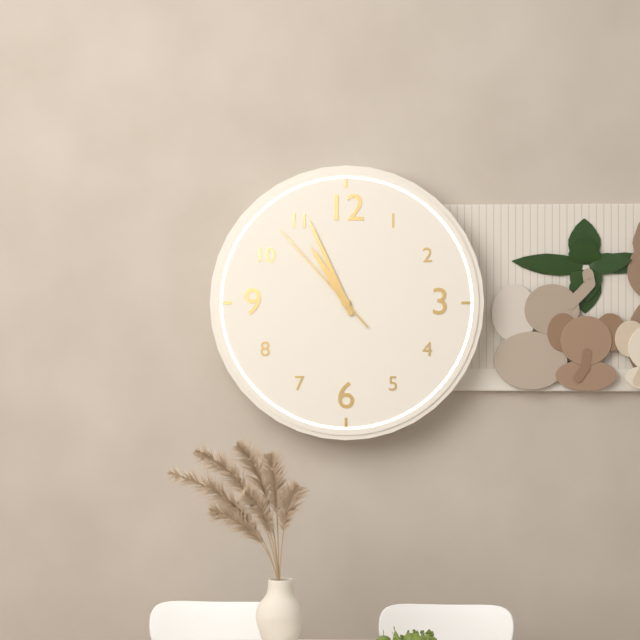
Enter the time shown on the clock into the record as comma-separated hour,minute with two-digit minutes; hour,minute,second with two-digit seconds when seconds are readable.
10,56,53
